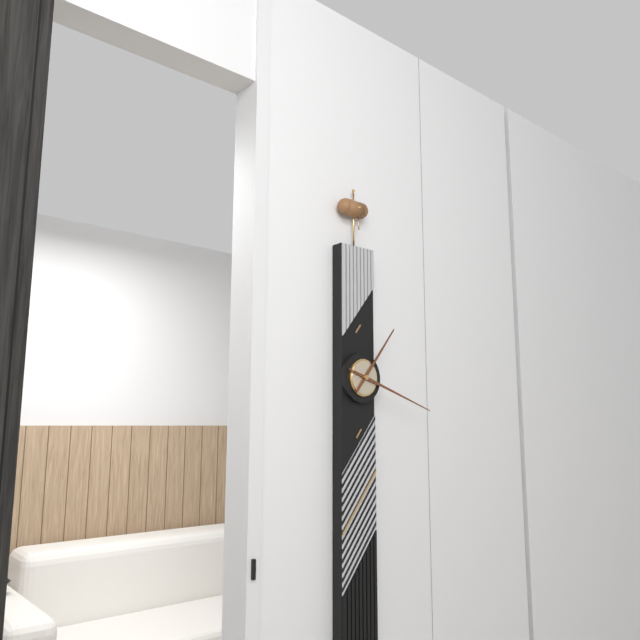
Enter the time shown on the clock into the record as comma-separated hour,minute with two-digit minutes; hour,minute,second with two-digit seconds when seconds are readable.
1,18
